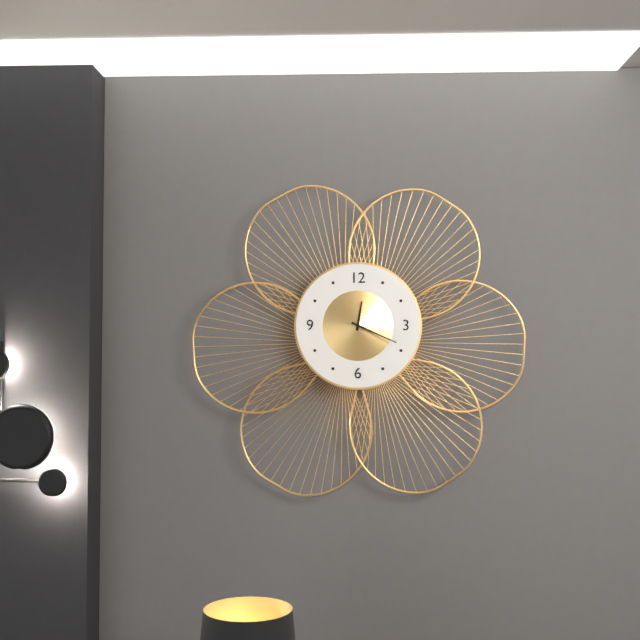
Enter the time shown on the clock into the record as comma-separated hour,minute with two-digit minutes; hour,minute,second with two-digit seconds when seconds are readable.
12,19
